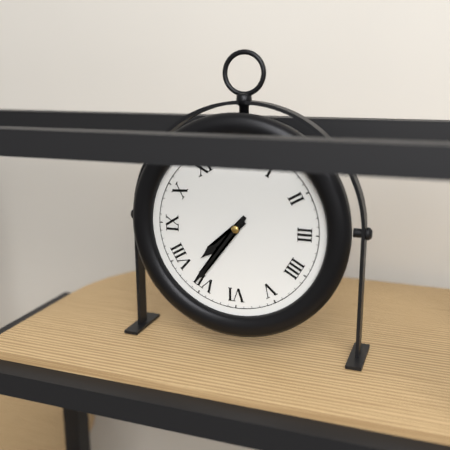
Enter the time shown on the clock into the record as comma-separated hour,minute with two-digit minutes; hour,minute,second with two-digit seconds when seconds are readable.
7,36
